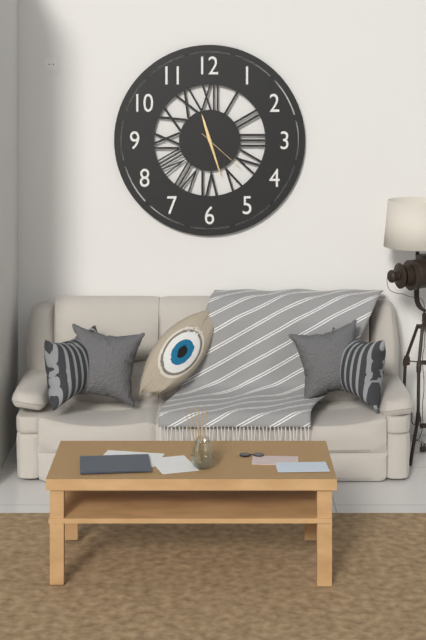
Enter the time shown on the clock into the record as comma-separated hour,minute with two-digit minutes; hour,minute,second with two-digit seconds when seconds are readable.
11,27,22
